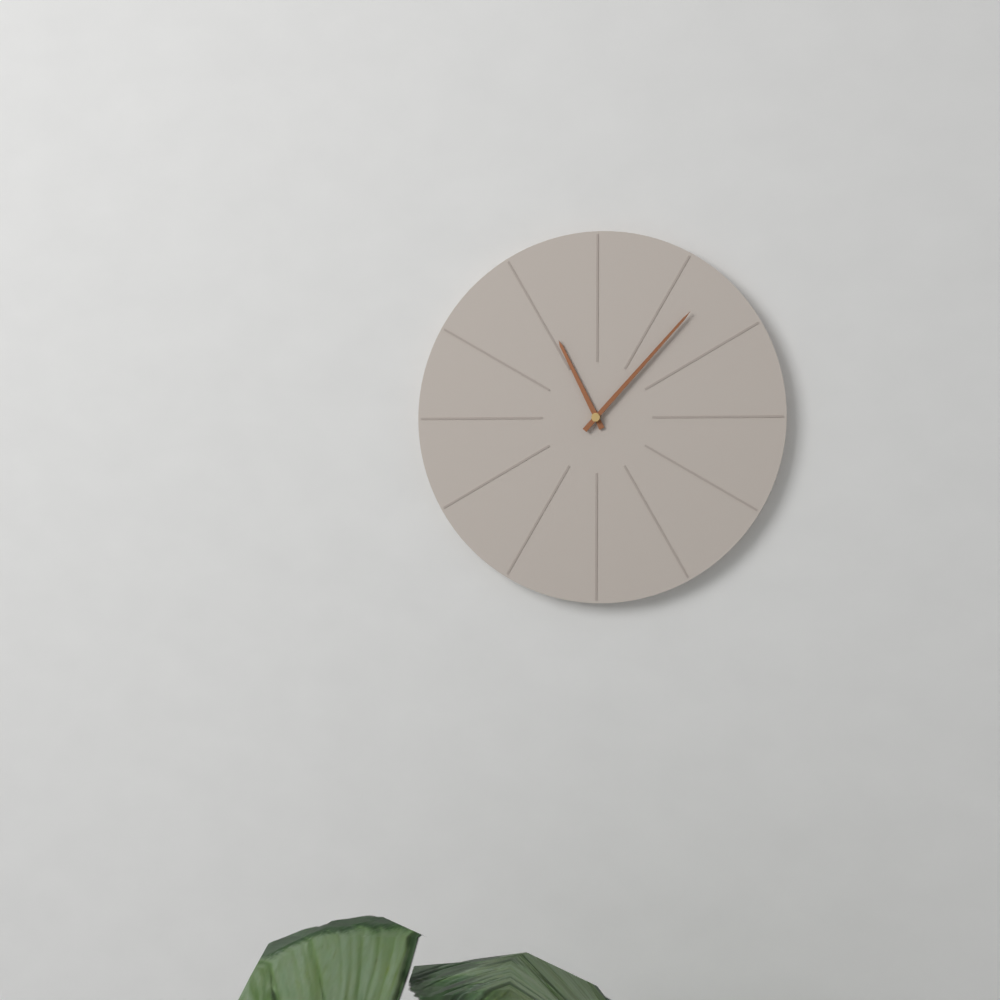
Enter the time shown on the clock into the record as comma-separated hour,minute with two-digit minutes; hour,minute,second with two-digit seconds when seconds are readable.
11,07
